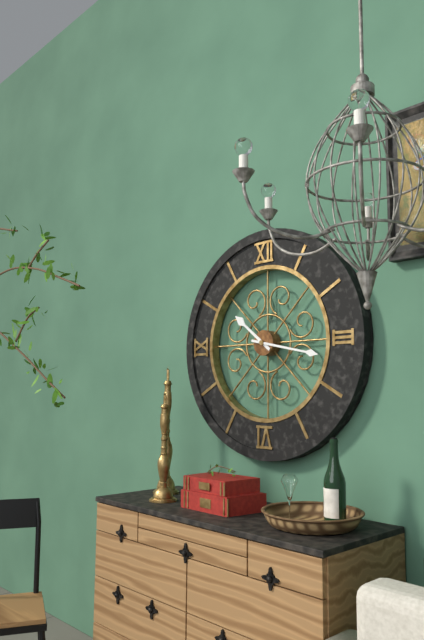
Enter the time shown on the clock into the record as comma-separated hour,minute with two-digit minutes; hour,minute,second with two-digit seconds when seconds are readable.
10,17
